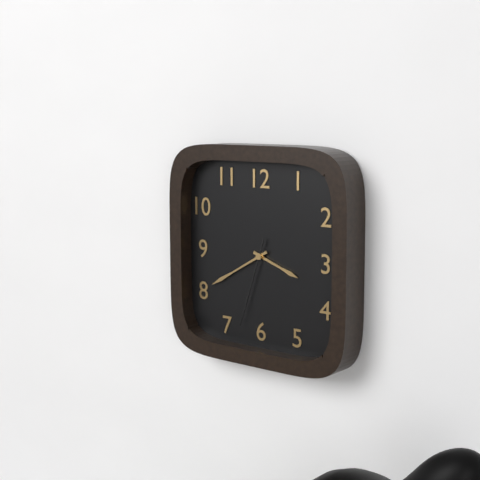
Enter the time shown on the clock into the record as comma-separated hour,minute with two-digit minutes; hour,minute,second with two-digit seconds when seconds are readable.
3,40,33
